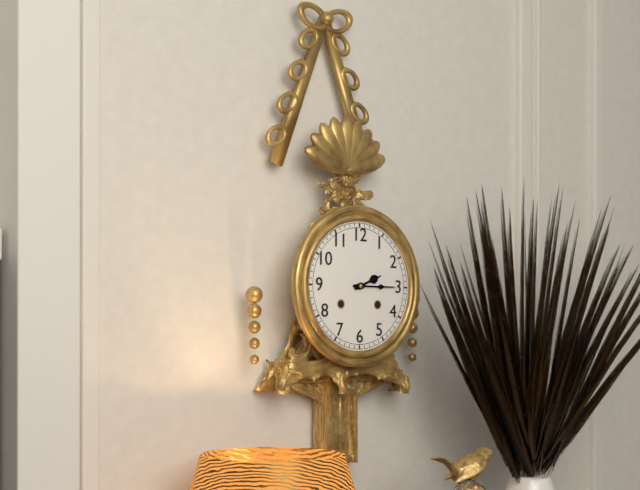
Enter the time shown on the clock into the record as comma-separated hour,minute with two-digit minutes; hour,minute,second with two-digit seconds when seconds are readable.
2,15
